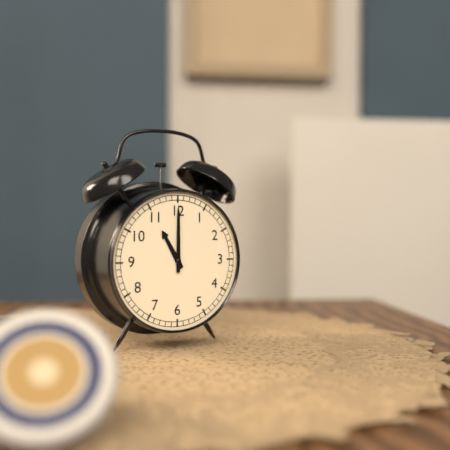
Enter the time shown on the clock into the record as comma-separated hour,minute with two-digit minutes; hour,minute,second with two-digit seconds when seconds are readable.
11,00
